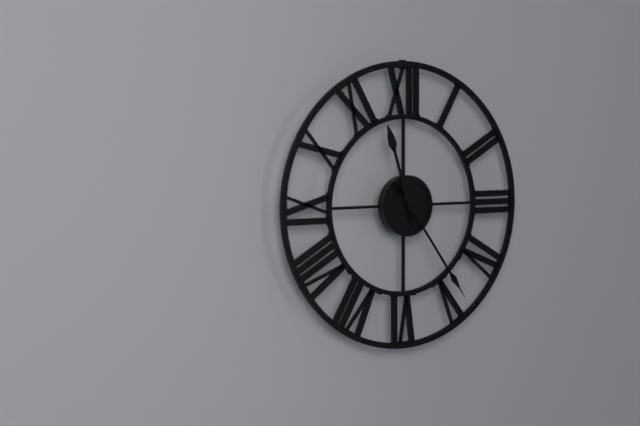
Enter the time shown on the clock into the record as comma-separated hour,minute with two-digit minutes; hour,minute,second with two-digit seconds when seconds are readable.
11,24
